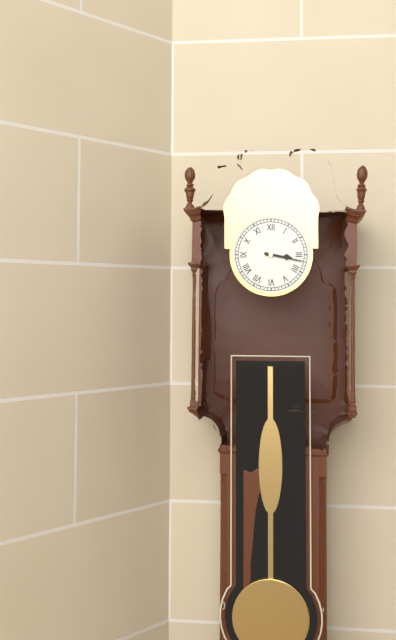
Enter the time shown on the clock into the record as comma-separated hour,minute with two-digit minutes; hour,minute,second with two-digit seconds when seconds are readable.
3,17
